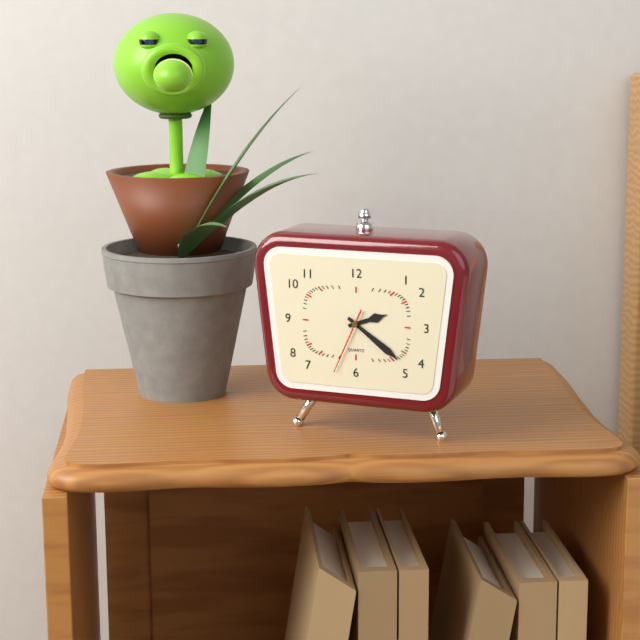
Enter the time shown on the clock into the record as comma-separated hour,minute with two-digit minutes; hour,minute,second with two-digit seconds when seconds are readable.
2,21,34
